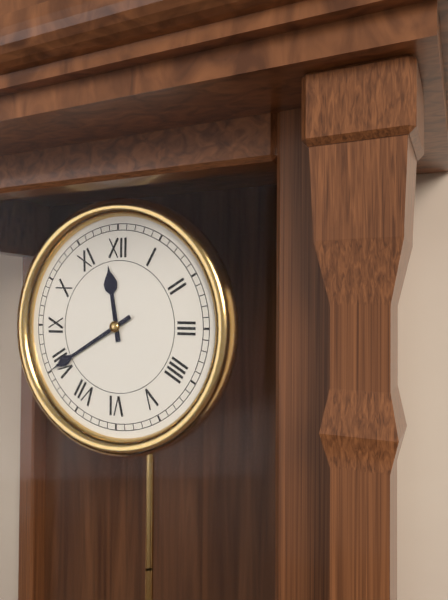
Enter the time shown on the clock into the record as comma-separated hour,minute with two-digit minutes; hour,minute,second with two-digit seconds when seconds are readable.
11,40
